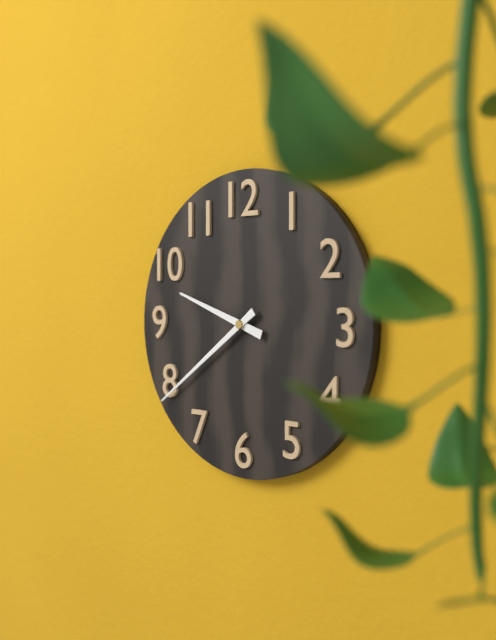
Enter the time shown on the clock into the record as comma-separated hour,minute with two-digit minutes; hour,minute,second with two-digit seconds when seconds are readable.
9,39
